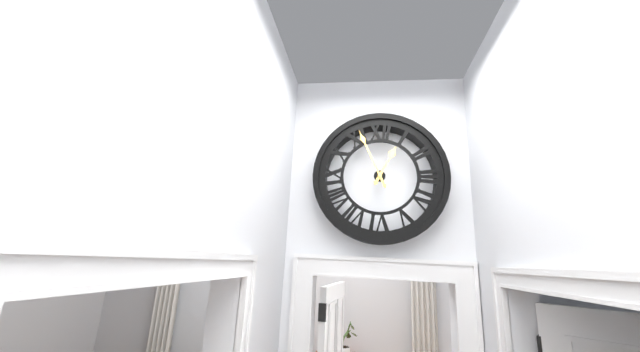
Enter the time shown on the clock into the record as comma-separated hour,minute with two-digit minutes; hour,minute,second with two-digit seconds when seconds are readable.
12,56
